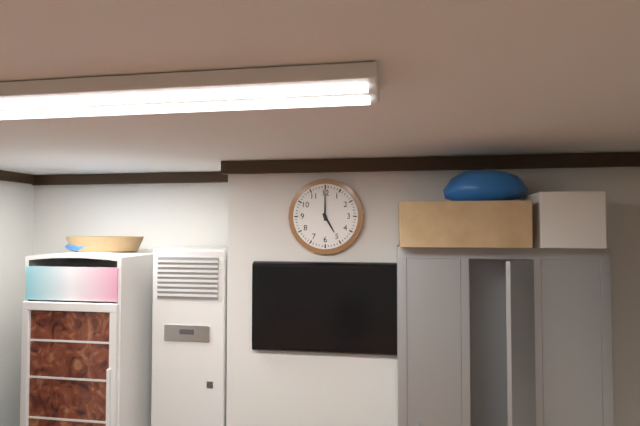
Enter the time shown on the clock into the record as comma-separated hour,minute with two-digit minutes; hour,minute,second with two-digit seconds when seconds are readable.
5,00
